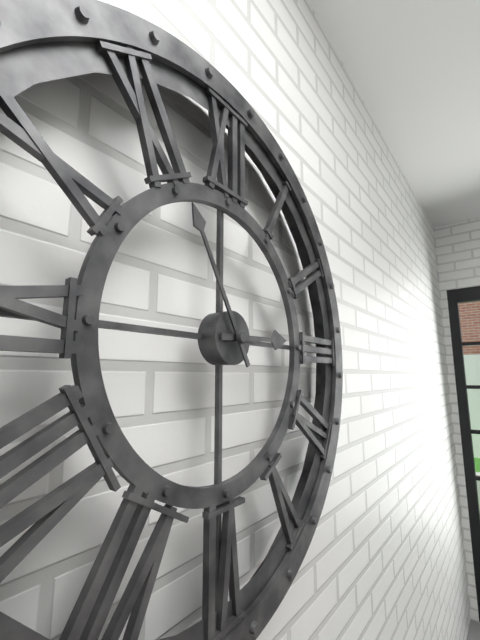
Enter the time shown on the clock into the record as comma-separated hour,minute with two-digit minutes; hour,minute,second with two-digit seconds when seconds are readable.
2,55
